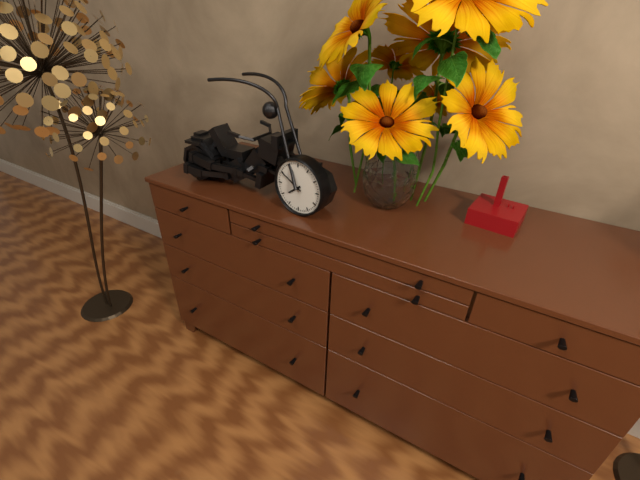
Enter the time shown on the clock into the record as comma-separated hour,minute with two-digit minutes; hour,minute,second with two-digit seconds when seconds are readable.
7,50
